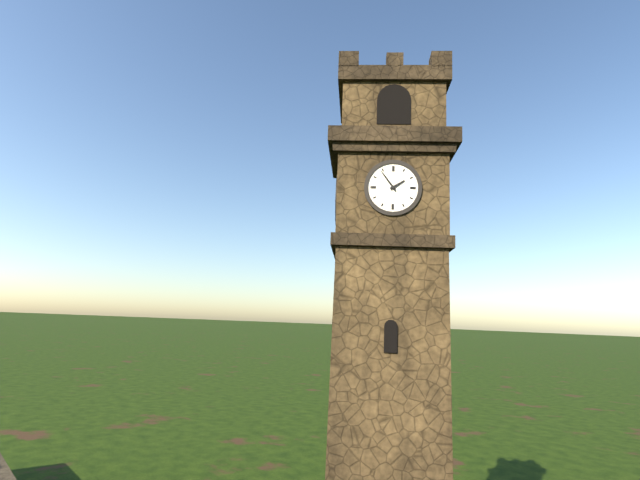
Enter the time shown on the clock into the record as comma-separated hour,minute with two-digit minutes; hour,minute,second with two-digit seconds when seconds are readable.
1,54
